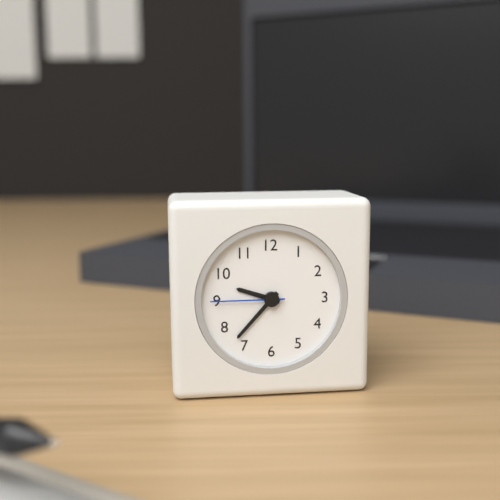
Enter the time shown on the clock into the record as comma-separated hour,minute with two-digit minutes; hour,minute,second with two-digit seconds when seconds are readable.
9,37,45
